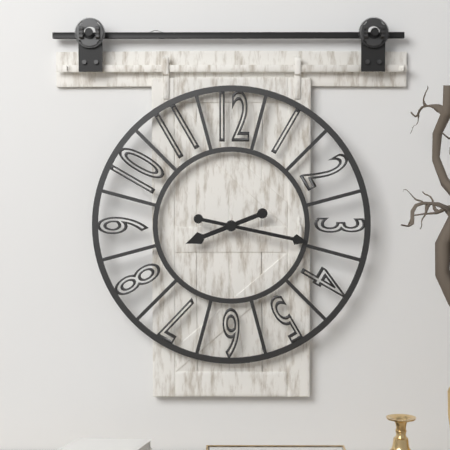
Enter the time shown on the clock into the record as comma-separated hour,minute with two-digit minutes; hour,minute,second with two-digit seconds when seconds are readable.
8,17
